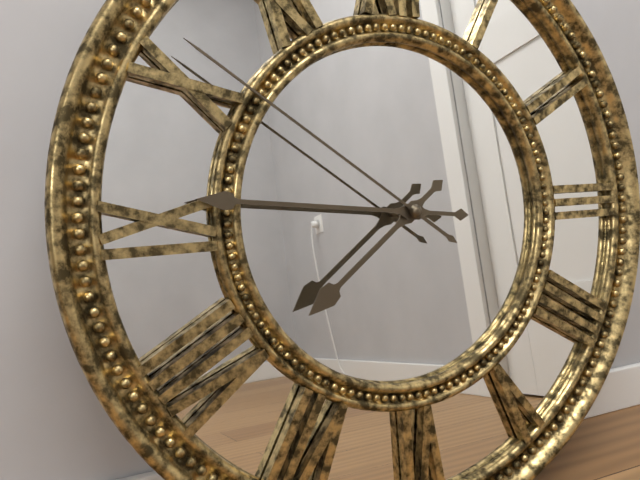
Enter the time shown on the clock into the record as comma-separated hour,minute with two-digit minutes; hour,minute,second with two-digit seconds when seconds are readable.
7,46,51
